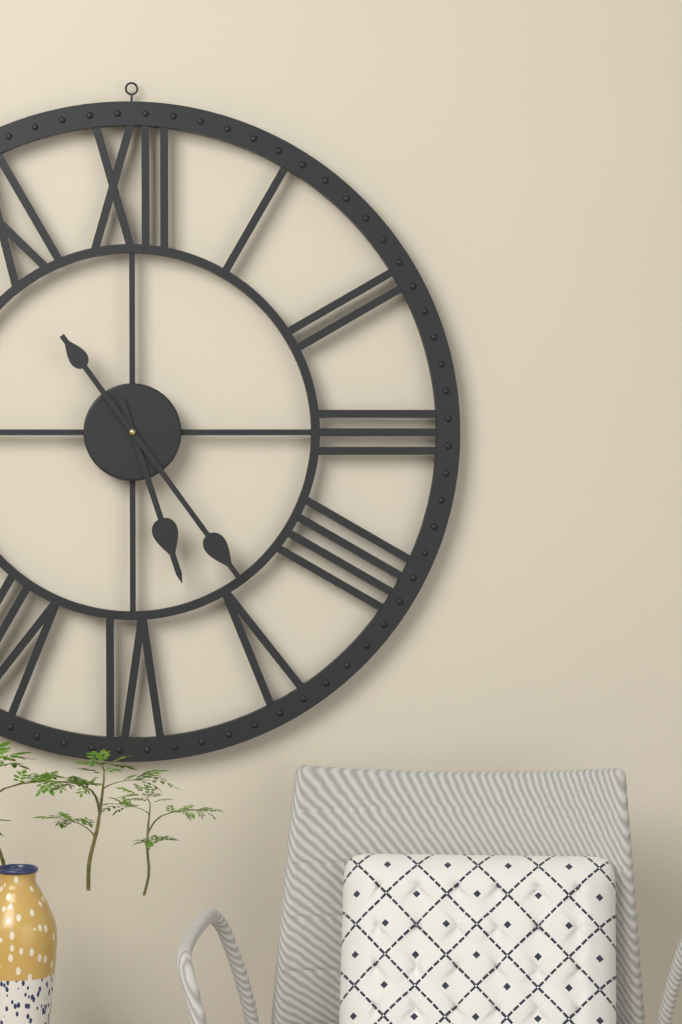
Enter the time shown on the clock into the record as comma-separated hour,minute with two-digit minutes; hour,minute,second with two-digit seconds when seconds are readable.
5,24
